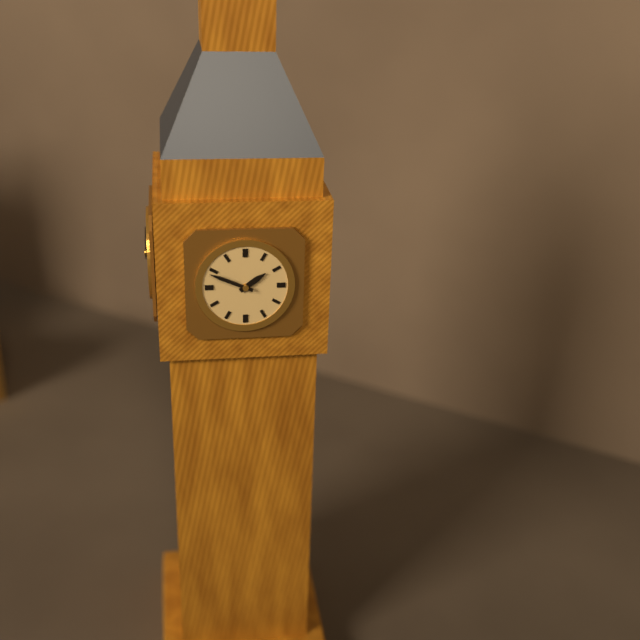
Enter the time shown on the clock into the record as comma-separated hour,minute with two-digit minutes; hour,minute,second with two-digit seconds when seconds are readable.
1,49
